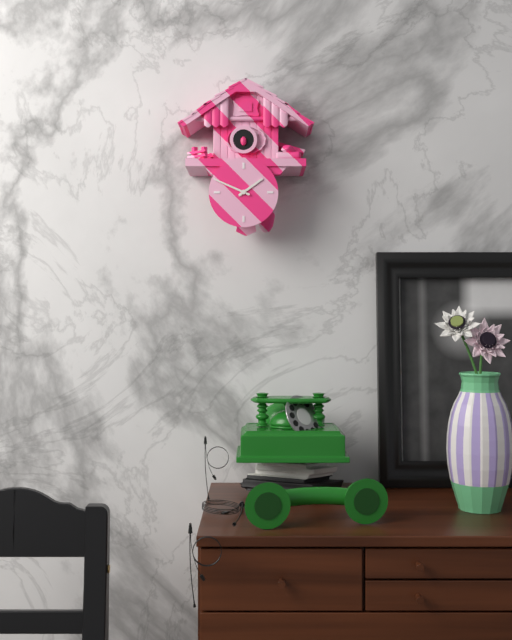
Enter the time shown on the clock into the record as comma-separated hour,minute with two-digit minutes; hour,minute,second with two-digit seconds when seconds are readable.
1,49
